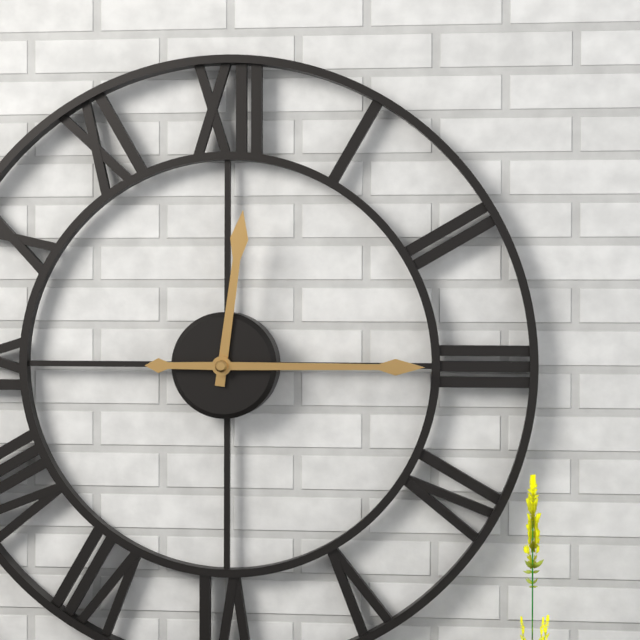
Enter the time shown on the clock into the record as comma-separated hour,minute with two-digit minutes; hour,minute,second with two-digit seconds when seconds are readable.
12,15
